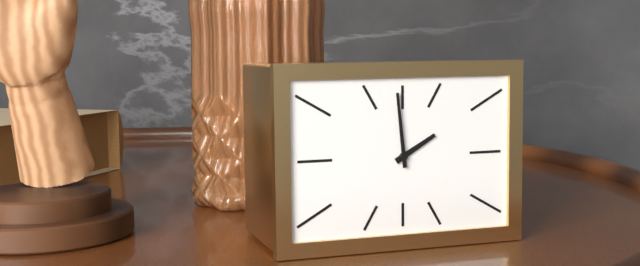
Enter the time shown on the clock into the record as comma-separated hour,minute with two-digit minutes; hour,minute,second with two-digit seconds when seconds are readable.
1,59
